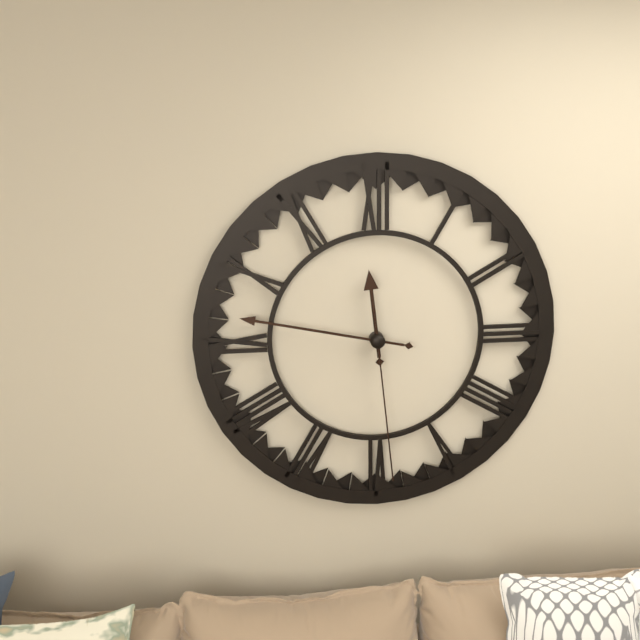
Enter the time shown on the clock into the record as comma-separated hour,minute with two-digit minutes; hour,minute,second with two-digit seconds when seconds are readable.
11,47,29
